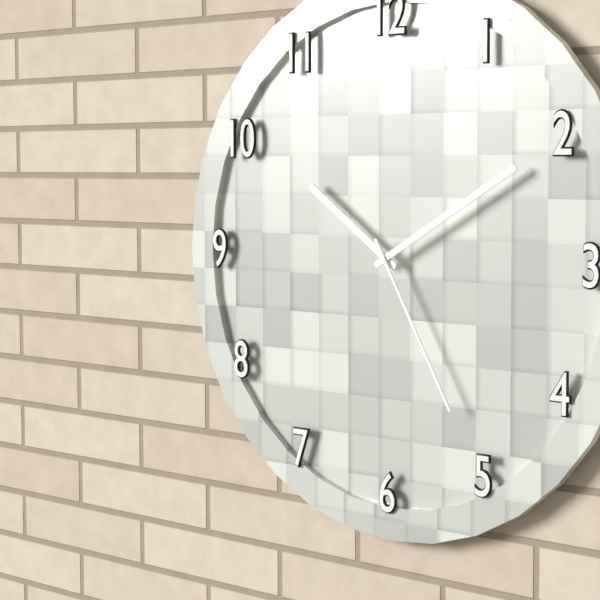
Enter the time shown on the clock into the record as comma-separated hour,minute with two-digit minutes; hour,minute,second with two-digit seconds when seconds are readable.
10,10,25
